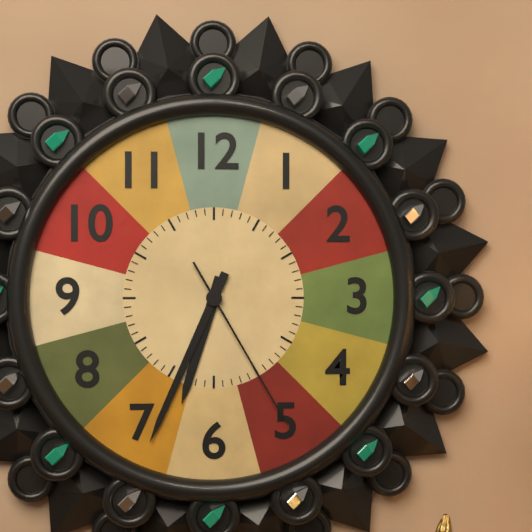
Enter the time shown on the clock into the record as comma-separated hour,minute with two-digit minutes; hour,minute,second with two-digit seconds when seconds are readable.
6,34,25
